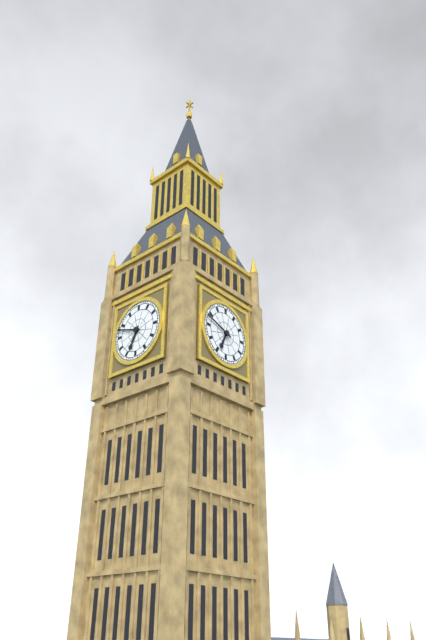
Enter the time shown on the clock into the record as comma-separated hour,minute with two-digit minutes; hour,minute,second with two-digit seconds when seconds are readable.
6,48
